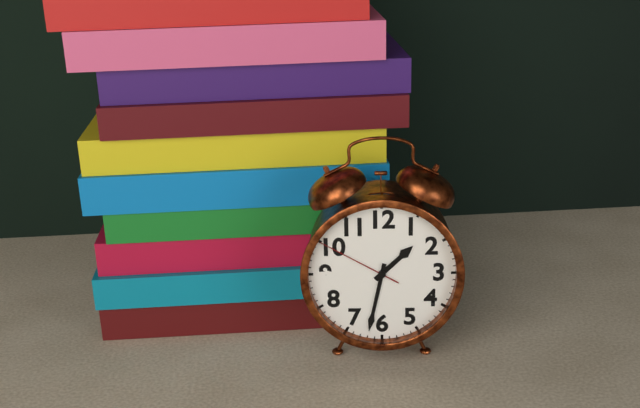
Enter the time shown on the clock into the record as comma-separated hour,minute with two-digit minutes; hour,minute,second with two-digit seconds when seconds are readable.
1,32,50
